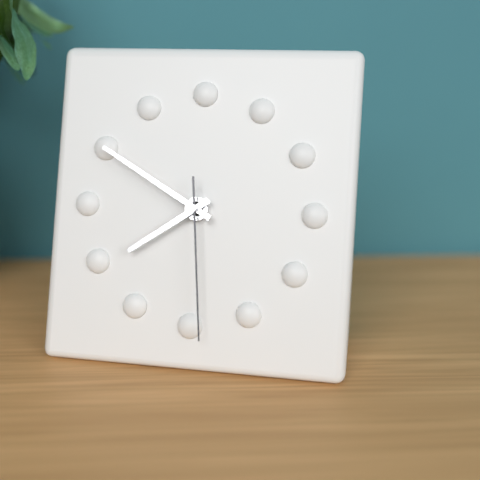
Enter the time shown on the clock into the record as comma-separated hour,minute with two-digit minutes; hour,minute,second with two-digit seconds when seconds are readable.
7,50,29
